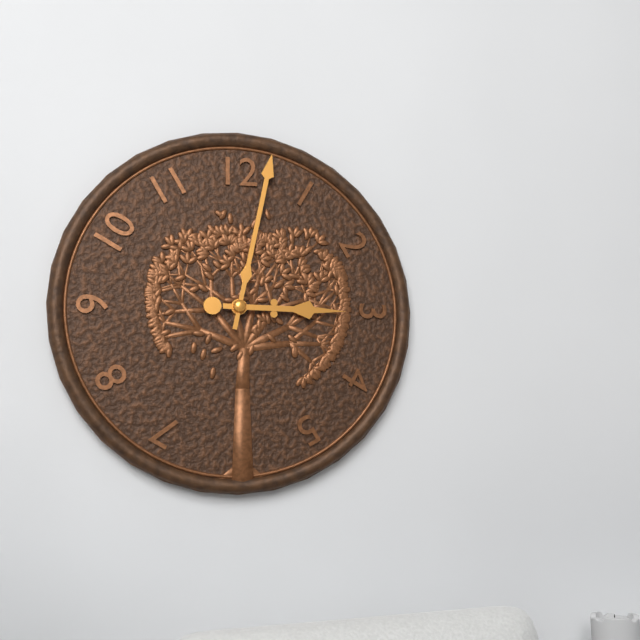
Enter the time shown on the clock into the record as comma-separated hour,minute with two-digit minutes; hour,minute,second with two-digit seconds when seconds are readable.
3,02
